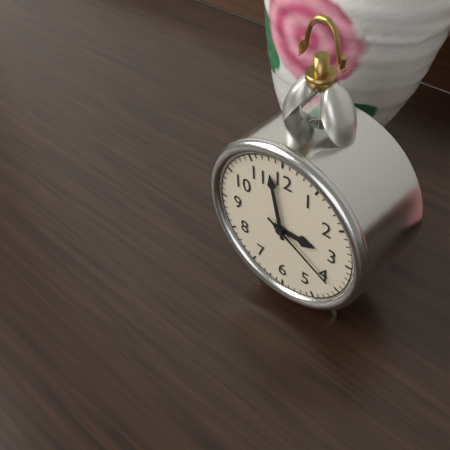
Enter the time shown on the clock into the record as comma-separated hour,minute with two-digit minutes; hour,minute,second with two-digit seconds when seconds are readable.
2,58,20
